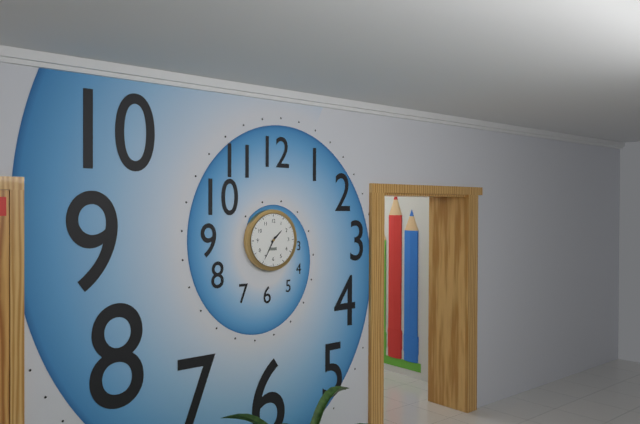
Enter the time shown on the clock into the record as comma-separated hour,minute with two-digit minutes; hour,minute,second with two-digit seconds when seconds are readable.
1,35
